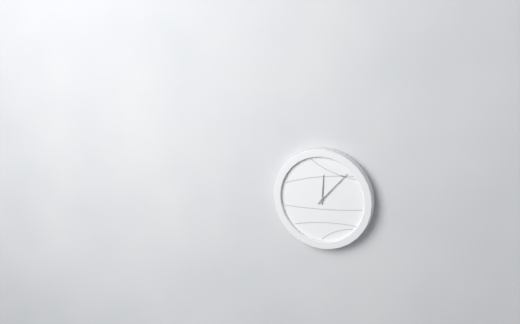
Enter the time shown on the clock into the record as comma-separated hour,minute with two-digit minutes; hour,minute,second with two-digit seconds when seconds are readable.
12,07
